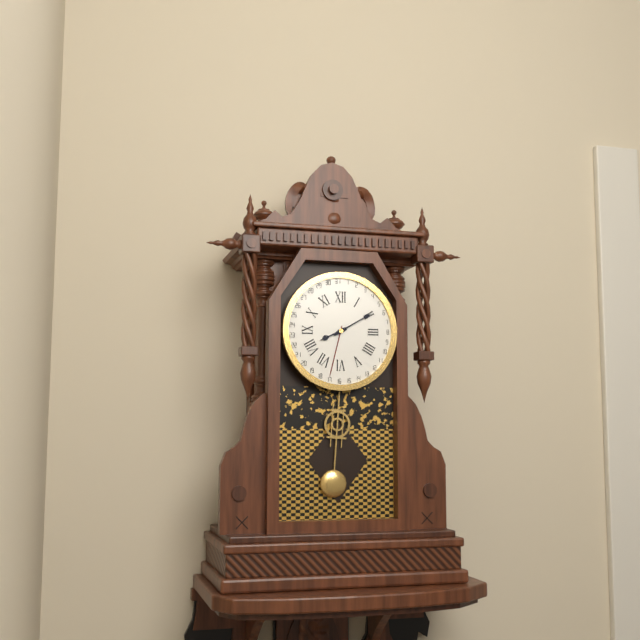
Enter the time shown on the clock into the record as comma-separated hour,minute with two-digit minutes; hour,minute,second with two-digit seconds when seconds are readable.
8,10
